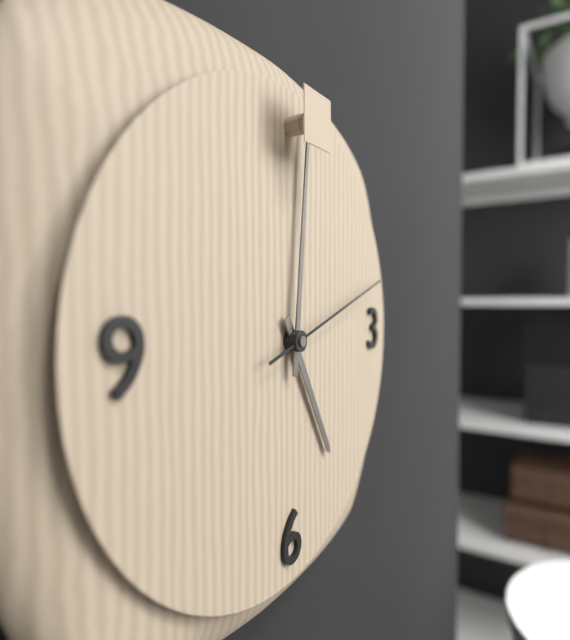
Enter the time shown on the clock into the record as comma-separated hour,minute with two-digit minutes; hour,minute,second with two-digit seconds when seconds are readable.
5,01,12
